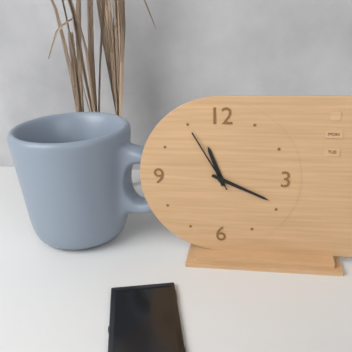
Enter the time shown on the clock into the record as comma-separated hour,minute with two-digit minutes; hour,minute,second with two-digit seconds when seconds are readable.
11,19,55
